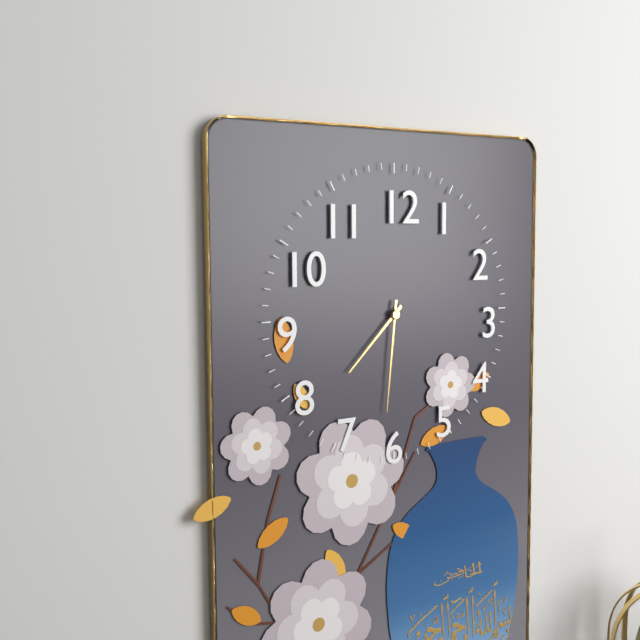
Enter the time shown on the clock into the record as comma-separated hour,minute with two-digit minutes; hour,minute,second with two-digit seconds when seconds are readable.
7,31
